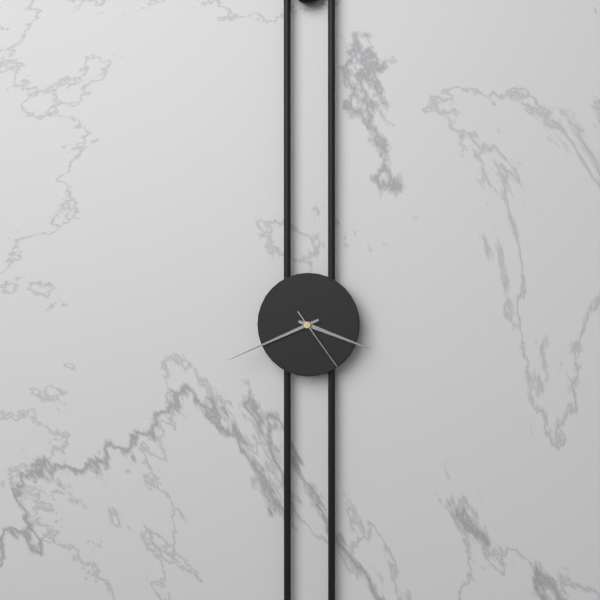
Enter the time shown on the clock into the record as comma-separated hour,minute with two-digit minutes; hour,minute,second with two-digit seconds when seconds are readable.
3,41,24
